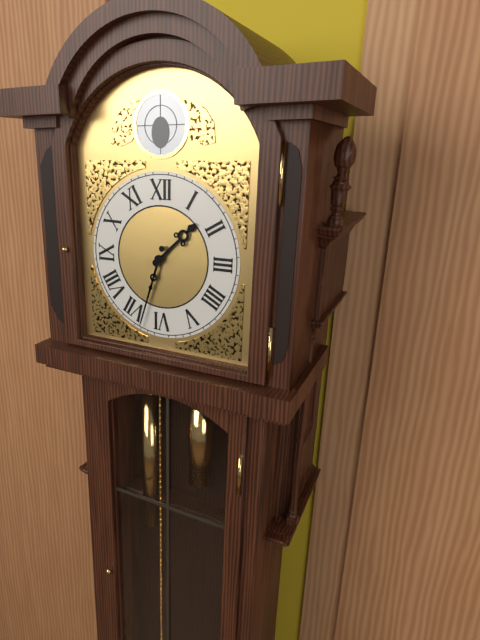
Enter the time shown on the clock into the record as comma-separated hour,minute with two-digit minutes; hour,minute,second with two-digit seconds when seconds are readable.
1,33
